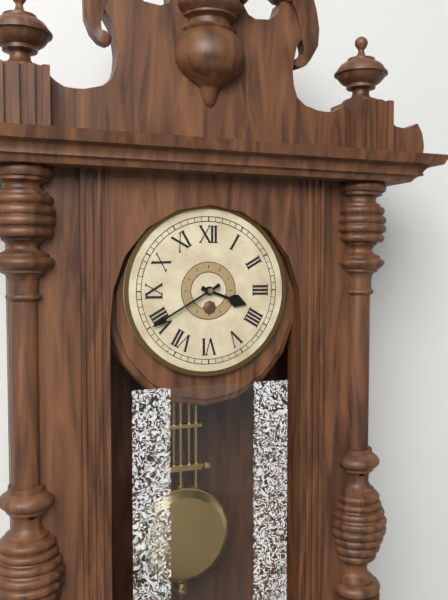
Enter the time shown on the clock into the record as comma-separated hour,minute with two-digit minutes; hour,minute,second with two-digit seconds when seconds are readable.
3,40
